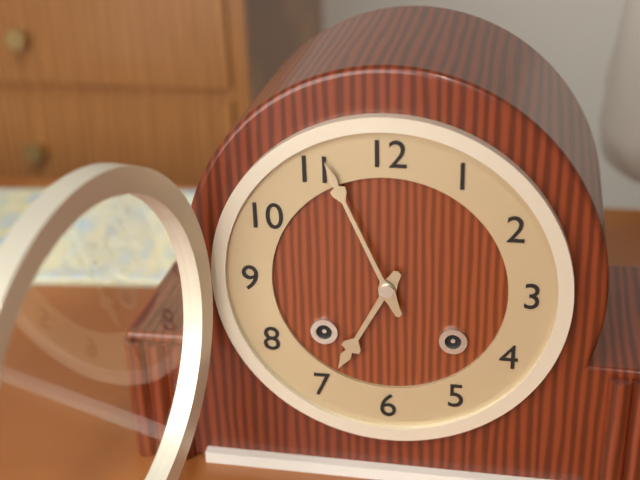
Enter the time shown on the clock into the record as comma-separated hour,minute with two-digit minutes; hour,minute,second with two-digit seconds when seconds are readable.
6,56
